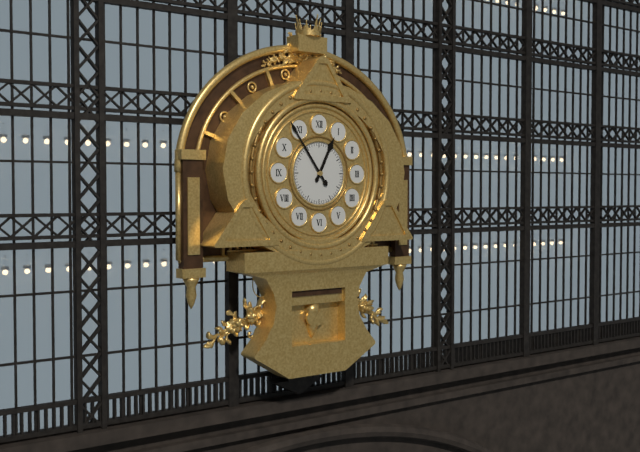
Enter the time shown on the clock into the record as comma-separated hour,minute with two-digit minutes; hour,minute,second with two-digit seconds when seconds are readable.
12,54
